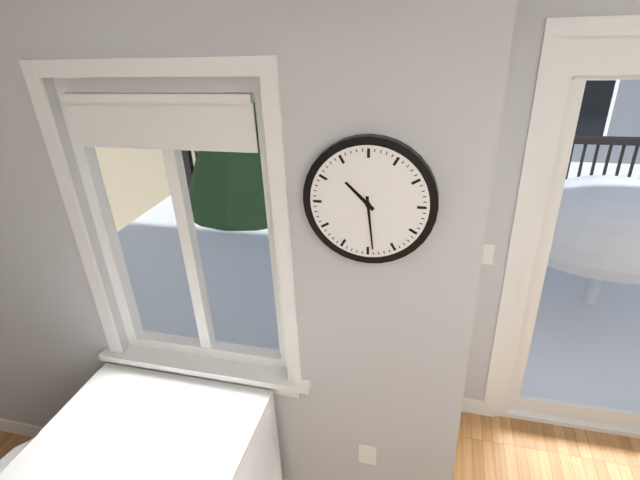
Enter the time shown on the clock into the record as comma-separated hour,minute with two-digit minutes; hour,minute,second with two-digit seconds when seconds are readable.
10,29
